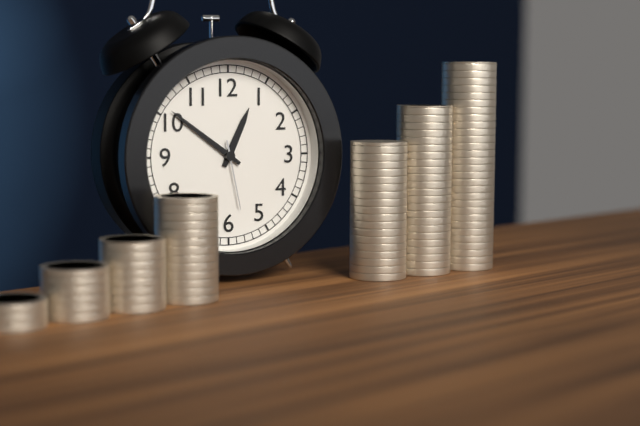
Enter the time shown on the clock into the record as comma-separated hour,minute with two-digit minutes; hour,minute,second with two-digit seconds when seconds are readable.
12,51,28
